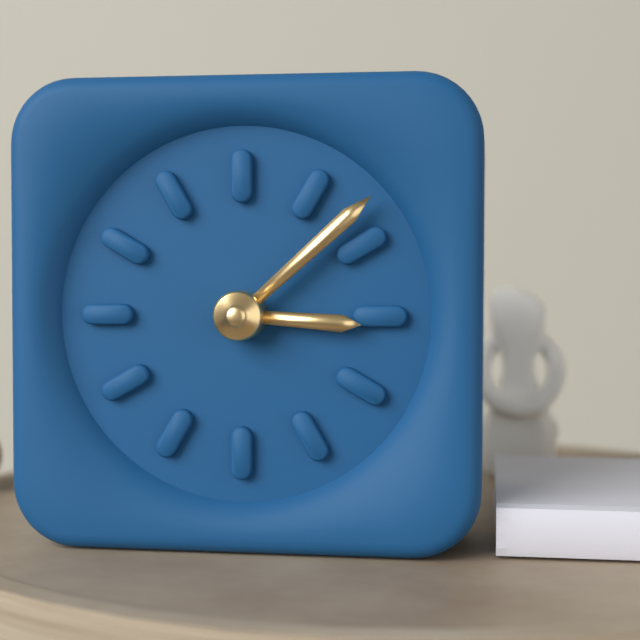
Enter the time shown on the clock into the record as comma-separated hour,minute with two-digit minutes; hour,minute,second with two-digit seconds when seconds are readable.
3,08
